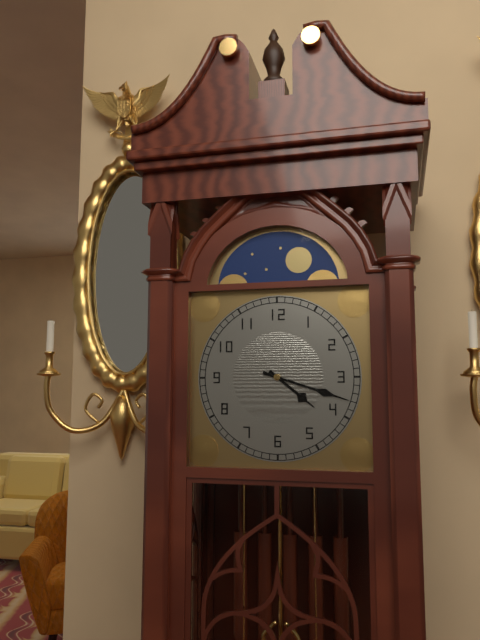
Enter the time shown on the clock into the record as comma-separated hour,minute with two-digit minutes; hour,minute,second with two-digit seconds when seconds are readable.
4,18
